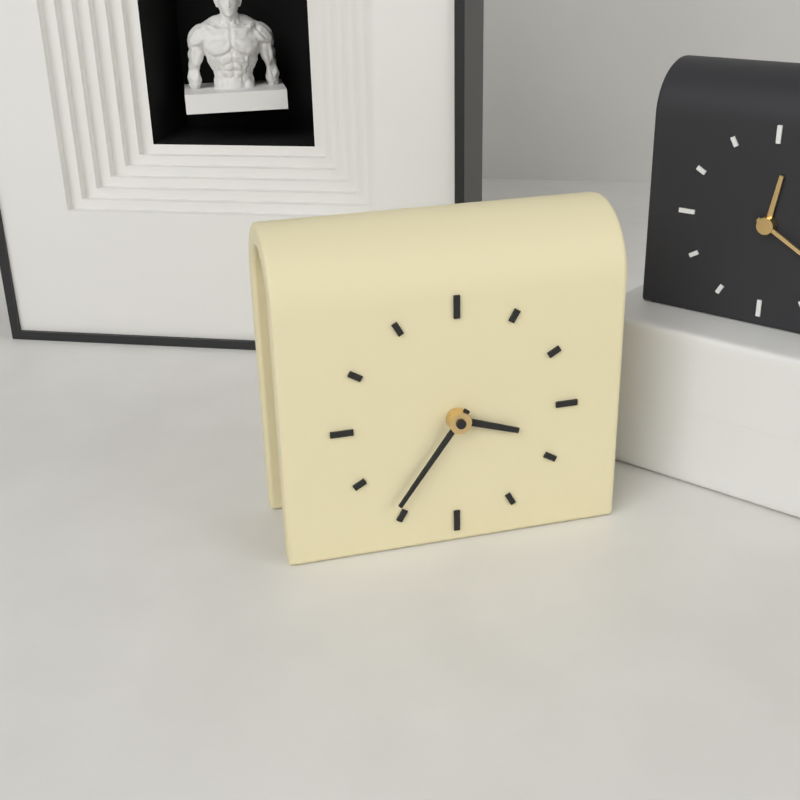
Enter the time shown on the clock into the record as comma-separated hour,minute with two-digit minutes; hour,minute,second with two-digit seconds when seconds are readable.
3,36
